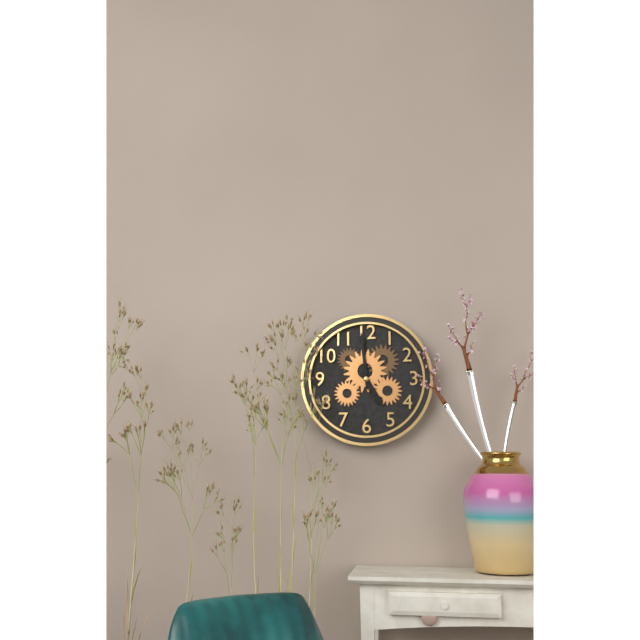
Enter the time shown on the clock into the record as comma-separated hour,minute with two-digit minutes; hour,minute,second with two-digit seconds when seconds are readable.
4,59
